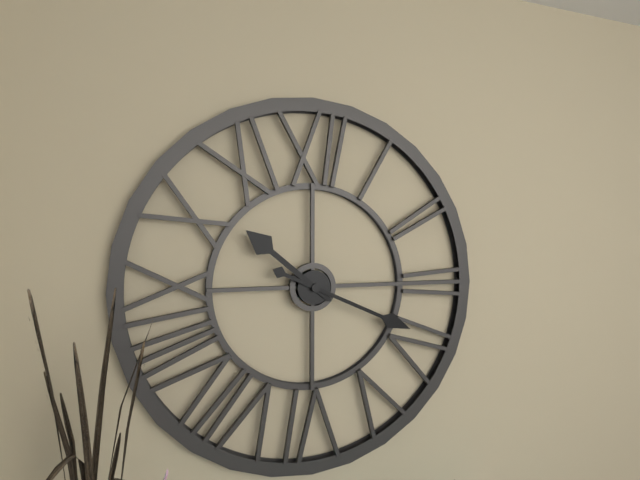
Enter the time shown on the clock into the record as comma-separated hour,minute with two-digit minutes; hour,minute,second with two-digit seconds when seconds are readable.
10,19
